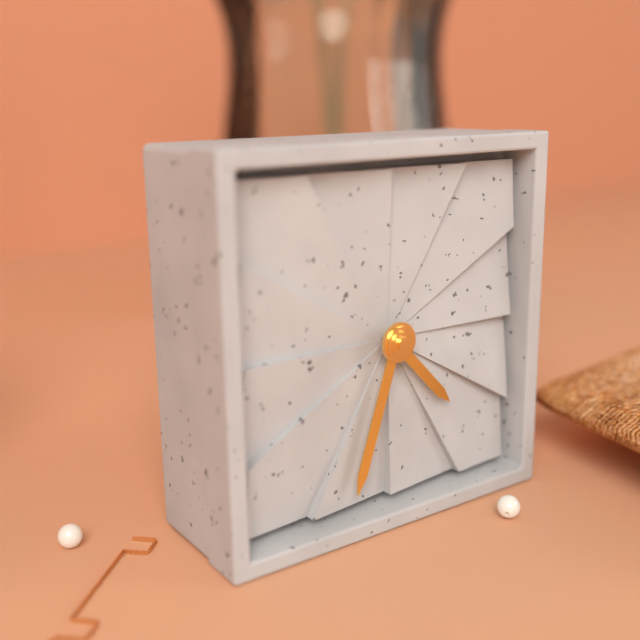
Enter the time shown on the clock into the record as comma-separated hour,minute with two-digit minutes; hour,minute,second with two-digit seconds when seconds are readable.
4,33
